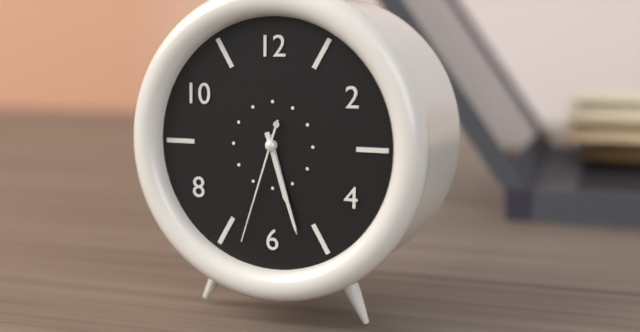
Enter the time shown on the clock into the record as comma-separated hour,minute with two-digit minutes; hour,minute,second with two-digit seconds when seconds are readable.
5,27,33
